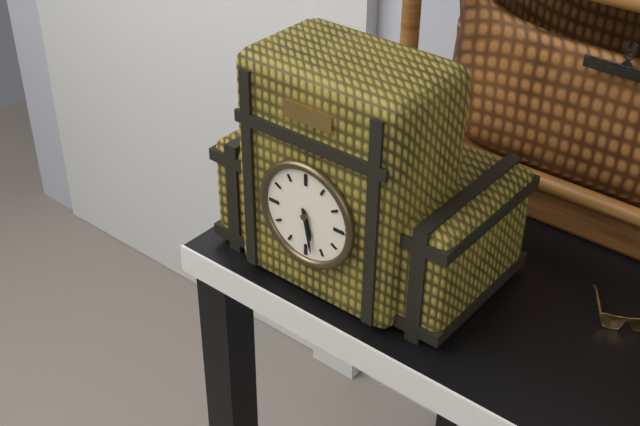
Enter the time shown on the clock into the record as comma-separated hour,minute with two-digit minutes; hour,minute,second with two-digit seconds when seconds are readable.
5,28
